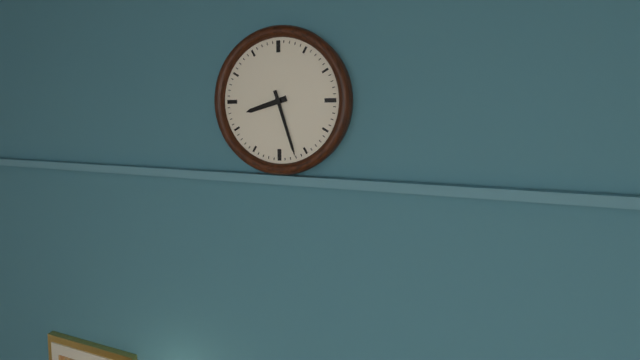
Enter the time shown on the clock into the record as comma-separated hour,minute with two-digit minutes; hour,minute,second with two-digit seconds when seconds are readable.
8,27
